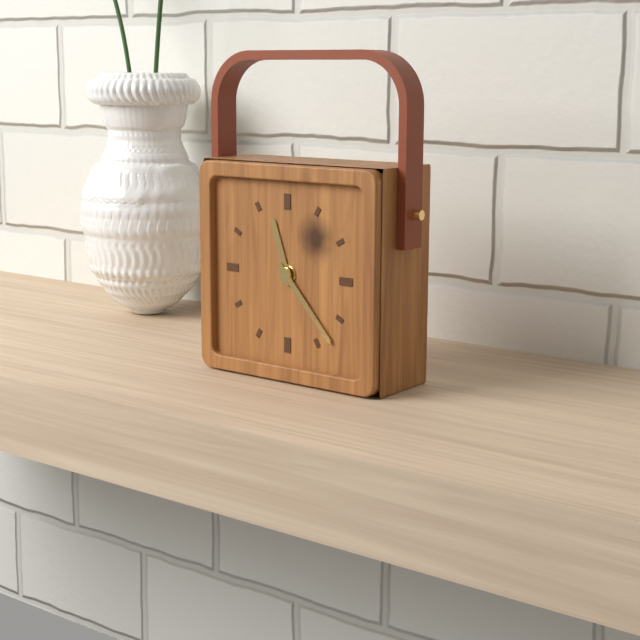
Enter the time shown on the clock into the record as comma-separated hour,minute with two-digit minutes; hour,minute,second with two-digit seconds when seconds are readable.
11,23
